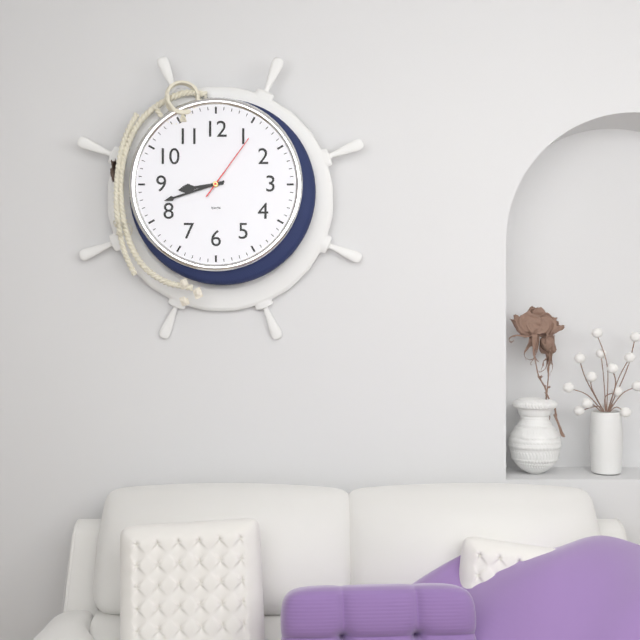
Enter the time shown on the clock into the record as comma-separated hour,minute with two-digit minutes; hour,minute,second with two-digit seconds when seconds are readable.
8,42,06
